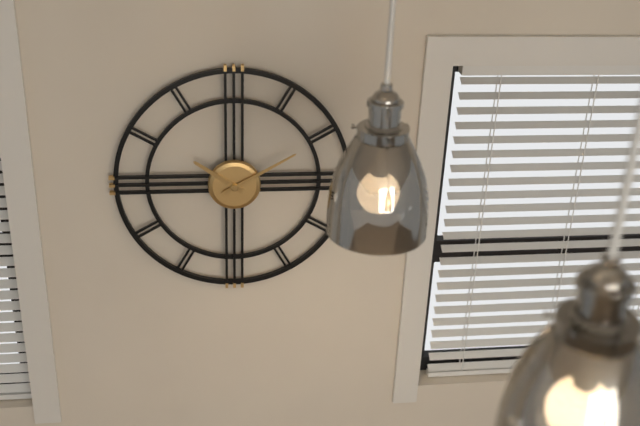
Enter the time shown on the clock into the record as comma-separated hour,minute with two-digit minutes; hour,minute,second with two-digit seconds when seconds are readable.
10,10
